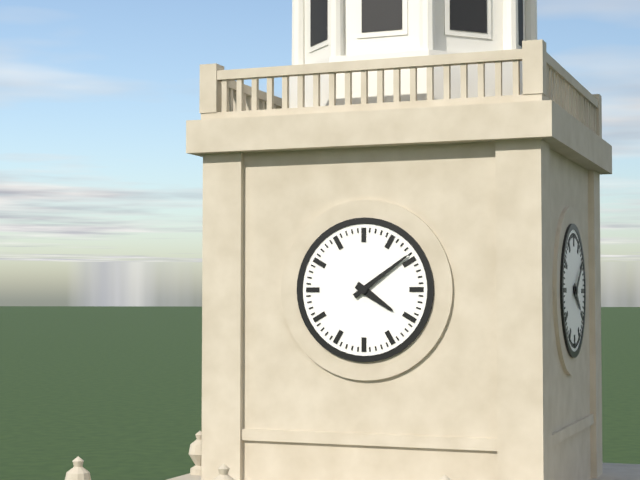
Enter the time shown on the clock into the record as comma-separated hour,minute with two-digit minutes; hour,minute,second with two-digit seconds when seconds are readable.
4,09
